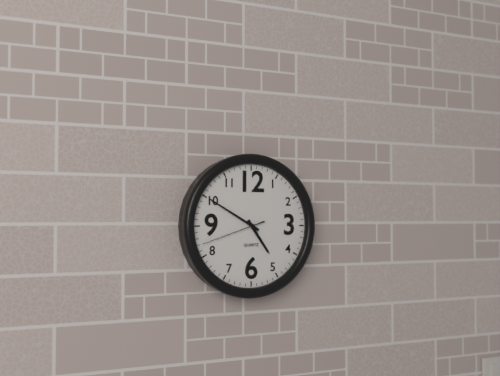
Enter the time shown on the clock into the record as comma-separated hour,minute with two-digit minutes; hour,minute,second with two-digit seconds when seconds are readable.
4,50,42
